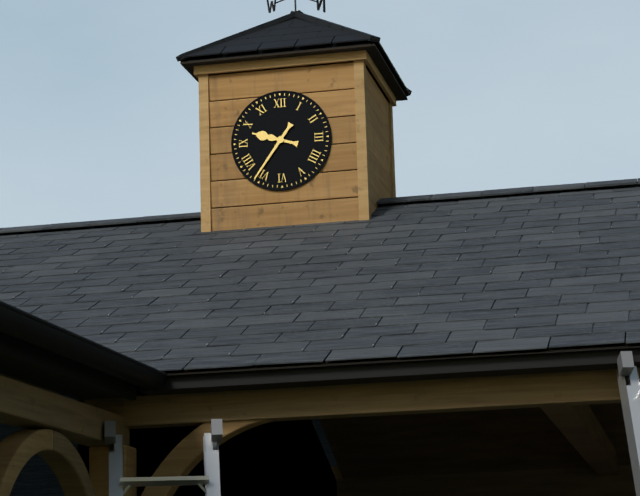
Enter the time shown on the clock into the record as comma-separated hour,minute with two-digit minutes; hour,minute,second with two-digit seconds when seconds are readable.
9,36
